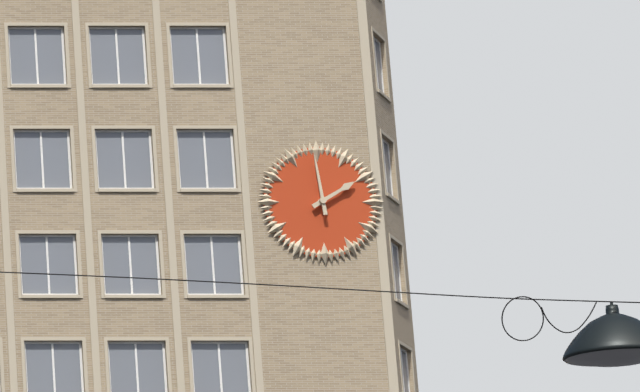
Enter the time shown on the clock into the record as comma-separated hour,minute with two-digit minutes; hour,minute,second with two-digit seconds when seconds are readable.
1,59
